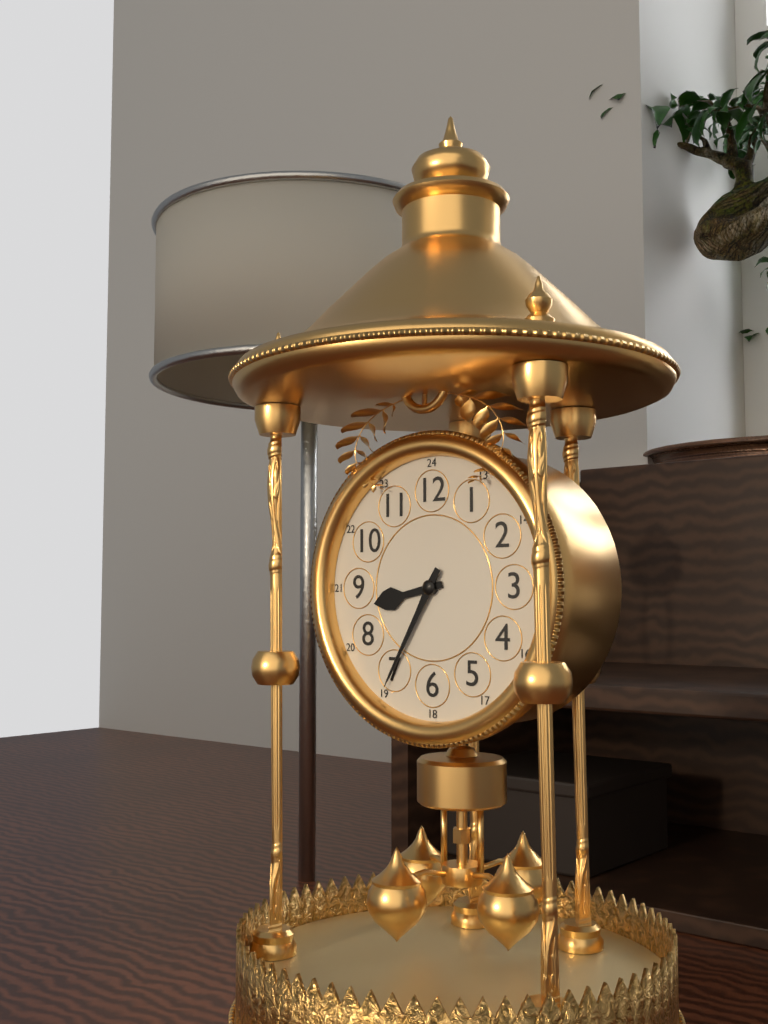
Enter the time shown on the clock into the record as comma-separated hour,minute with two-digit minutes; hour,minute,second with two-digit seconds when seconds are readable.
8,35
